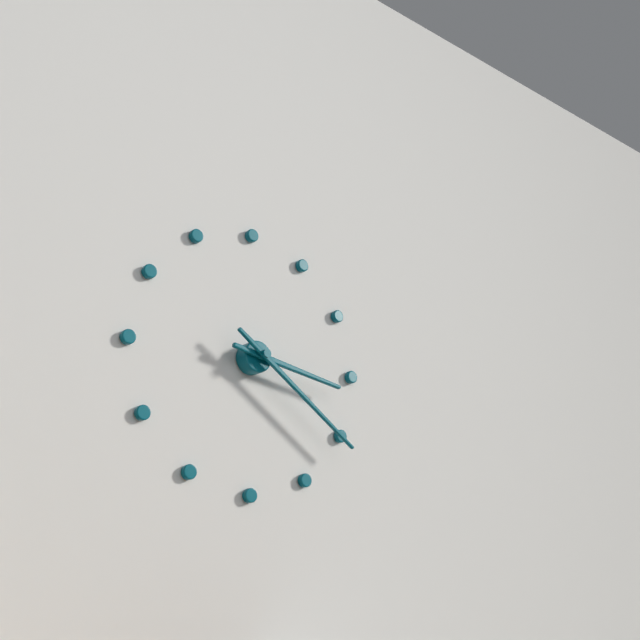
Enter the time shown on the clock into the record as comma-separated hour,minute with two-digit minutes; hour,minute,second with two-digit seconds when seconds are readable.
3,21
